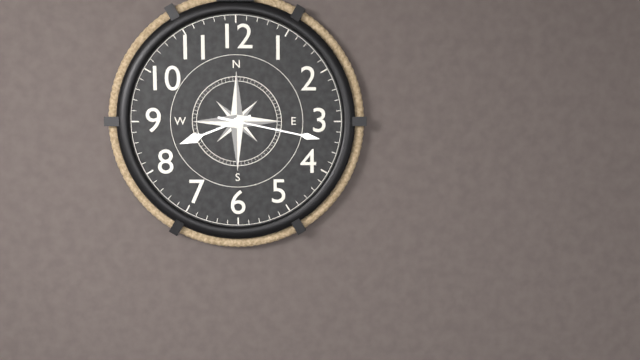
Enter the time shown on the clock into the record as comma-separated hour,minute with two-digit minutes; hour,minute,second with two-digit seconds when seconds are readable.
8,17
